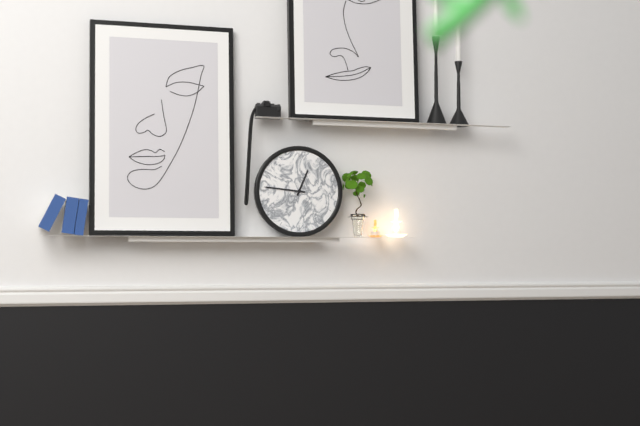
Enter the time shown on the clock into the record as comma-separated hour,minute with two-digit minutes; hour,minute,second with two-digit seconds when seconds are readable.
12,46
